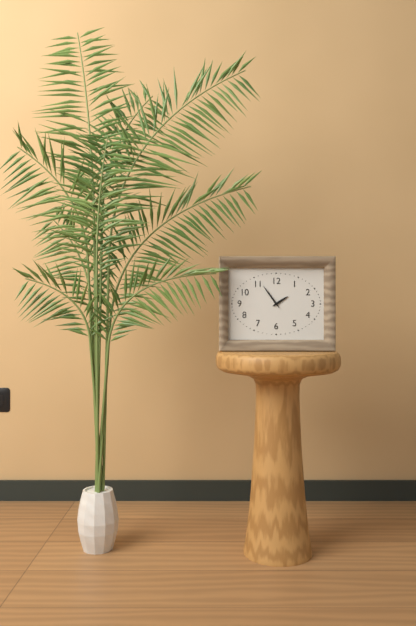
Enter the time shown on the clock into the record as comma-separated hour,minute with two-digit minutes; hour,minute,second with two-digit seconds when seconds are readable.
1,54
